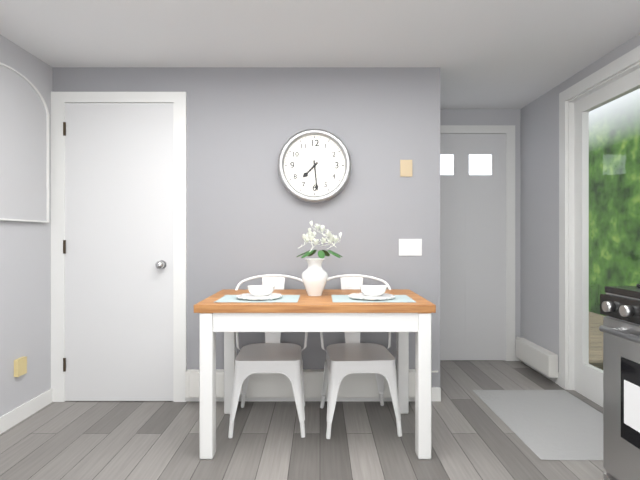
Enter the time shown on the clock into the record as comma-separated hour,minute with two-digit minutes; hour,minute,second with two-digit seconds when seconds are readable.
7,29
